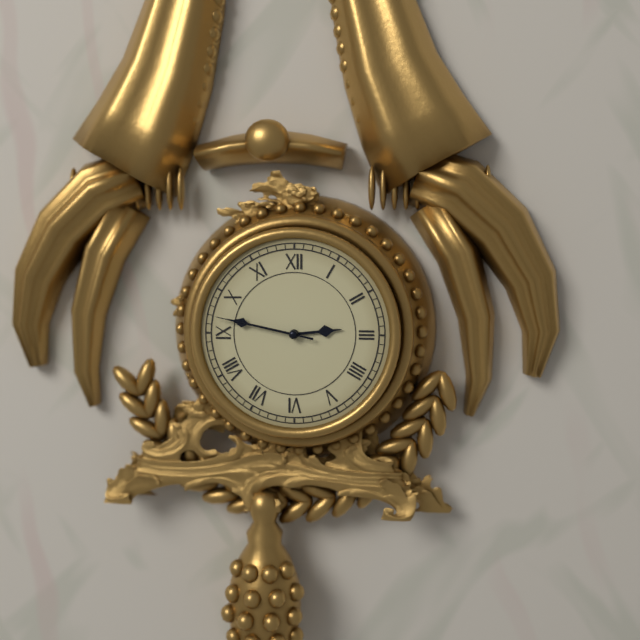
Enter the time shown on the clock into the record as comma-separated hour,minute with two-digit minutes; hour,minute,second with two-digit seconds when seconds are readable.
2,47,47
